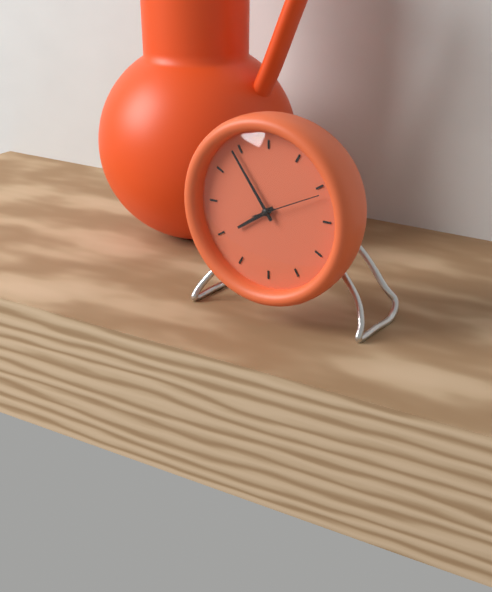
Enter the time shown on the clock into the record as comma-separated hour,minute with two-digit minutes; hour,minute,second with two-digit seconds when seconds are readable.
7,54,11
